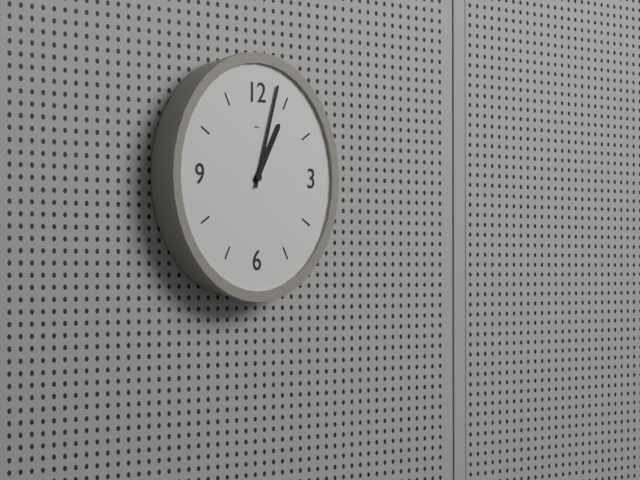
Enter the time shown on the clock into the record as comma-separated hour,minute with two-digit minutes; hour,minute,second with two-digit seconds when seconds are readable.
1,03
